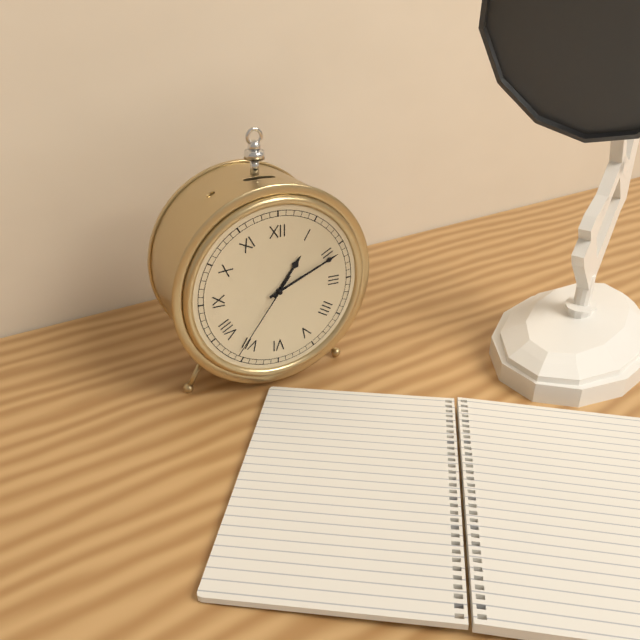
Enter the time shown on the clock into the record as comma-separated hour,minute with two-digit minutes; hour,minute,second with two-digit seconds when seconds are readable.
1,11,36
